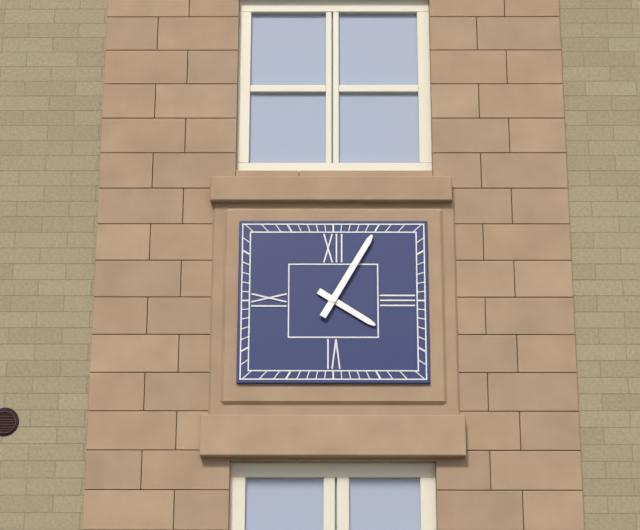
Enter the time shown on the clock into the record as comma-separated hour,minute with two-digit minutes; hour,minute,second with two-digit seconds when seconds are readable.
4,05
